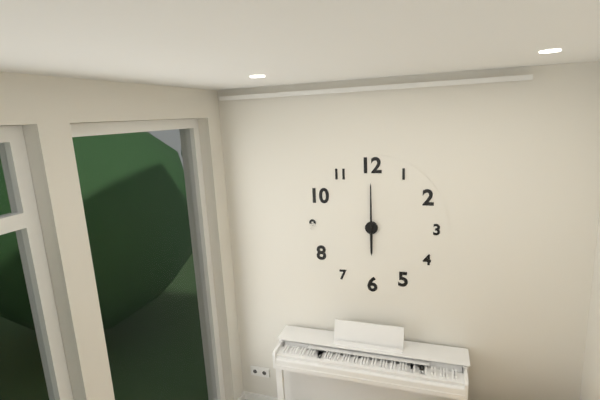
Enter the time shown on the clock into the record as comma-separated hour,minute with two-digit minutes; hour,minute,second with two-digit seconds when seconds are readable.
6,00
